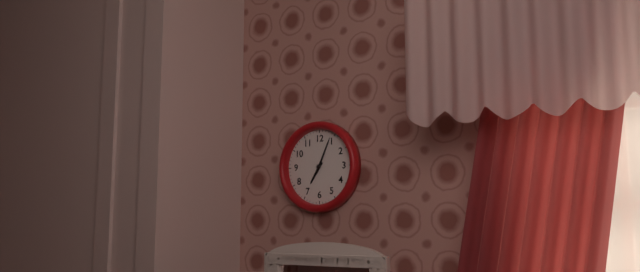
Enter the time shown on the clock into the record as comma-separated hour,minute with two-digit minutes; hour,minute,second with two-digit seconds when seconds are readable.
7,04
